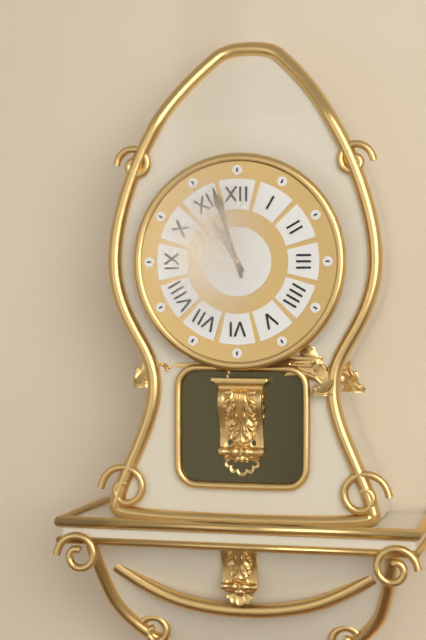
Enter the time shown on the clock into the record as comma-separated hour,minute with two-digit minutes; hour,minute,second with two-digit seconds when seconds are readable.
10,57
